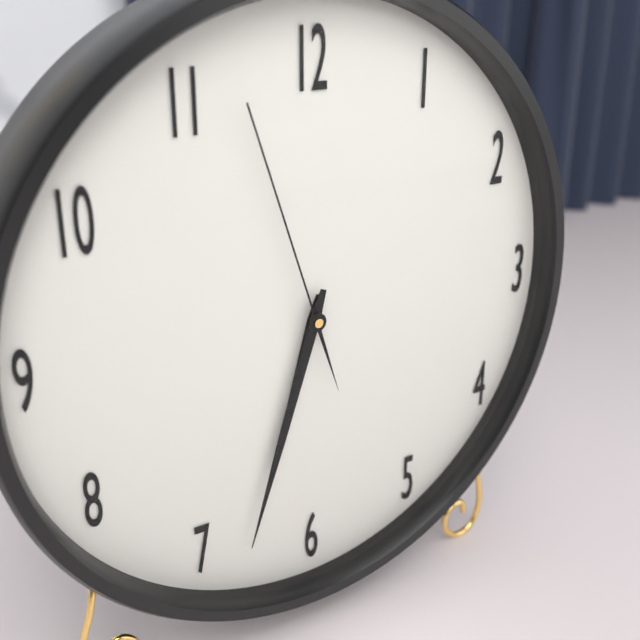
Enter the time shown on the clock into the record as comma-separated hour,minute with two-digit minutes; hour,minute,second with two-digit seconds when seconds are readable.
6,33,57
